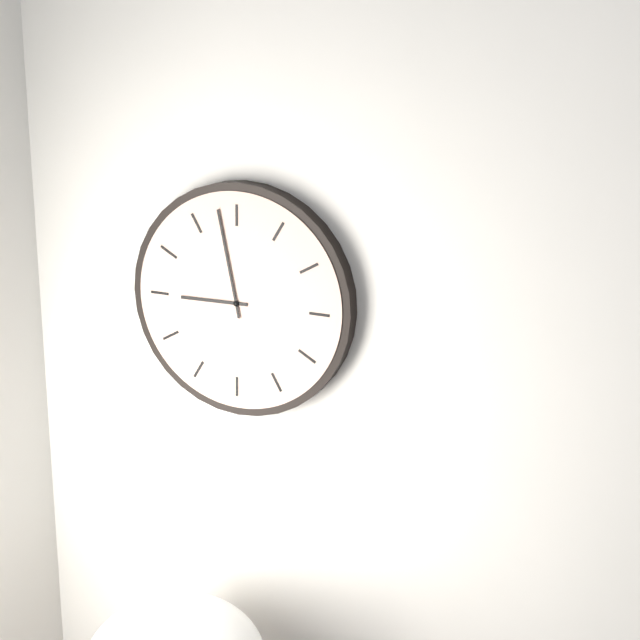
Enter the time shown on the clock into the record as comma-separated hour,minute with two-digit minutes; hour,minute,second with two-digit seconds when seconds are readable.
8,58
